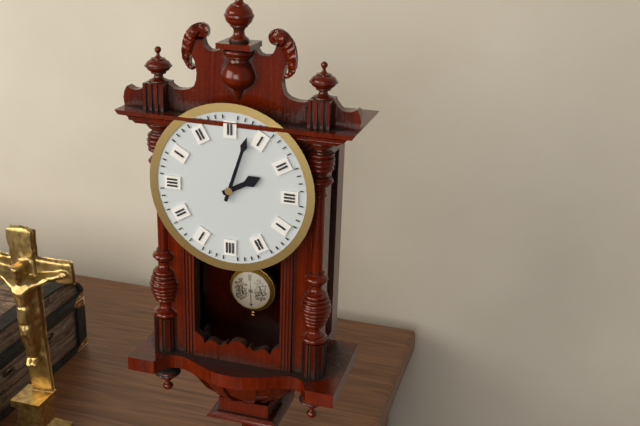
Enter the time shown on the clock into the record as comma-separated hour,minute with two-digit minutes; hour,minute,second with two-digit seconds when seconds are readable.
2,03
